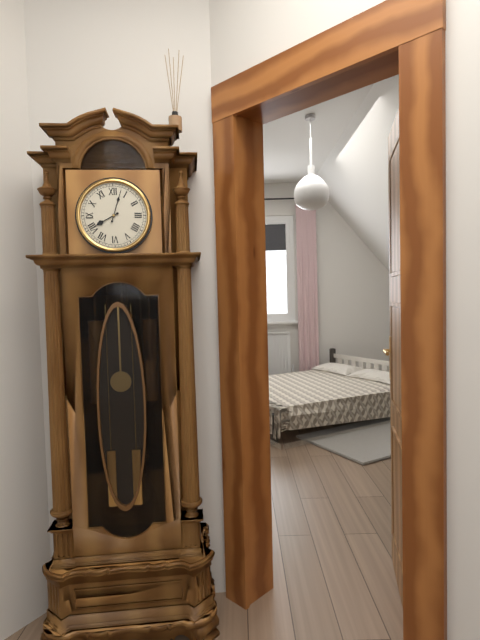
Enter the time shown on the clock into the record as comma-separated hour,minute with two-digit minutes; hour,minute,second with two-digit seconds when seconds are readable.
8,03
